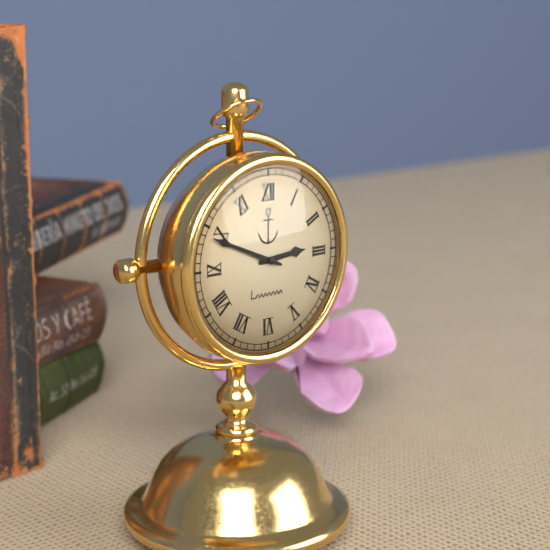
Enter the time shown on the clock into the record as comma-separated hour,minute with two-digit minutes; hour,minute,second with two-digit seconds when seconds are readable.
2,49
